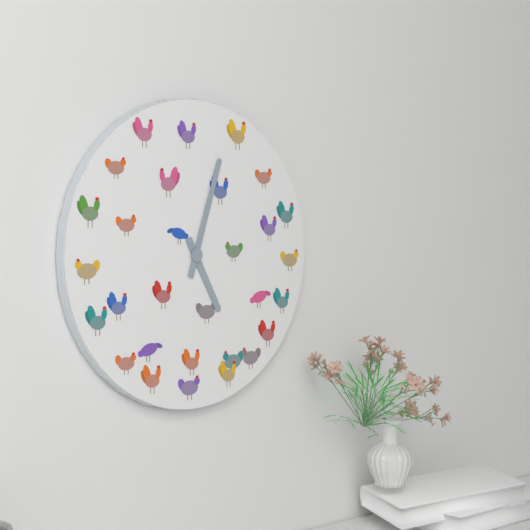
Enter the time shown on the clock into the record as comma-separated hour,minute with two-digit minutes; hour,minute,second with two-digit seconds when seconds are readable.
5,03
